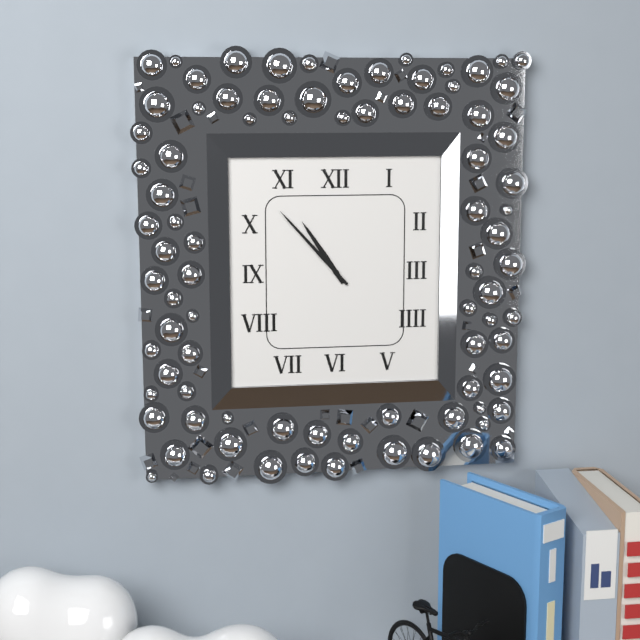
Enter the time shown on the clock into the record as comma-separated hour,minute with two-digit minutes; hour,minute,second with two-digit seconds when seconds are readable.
10,53
